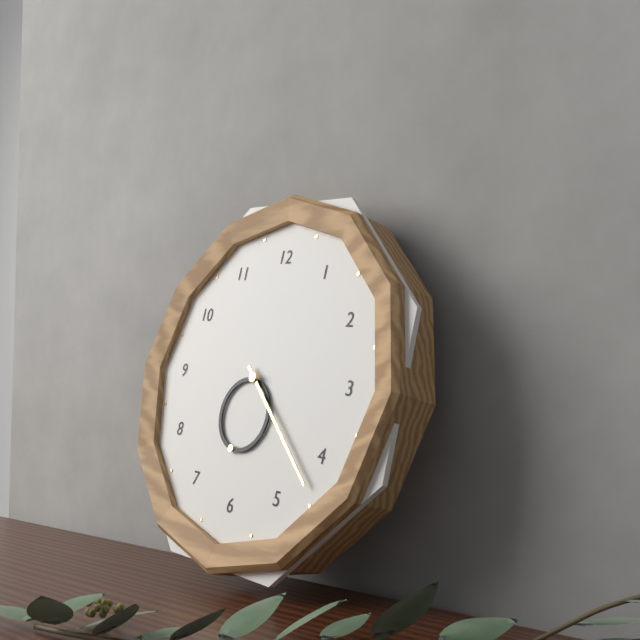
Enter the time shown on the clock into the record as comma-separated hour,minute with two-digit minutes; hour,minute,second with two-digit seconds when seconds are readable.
6,22
